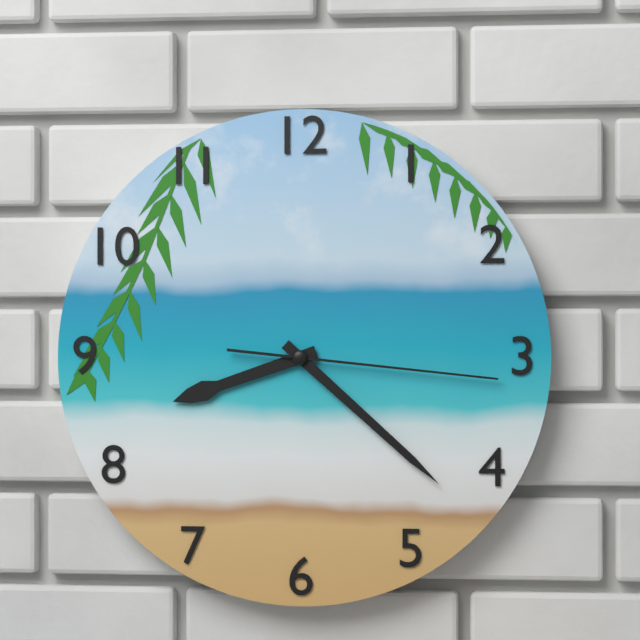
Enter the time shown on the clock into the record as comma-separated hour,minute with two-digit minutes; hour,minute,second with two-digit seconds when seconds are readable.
8,22,16
